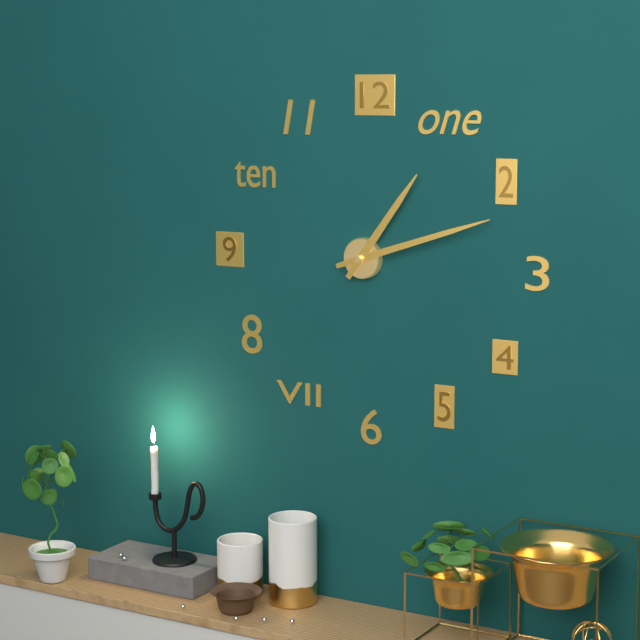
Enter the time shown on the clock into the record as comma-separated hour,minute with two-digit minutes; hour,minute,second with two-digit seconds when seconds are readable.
1,12
